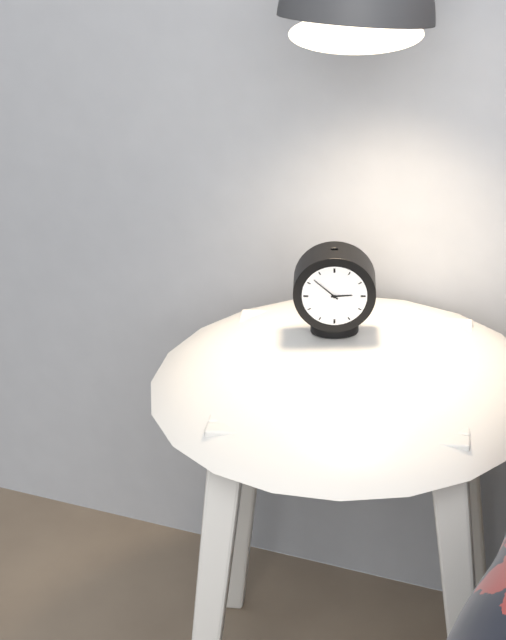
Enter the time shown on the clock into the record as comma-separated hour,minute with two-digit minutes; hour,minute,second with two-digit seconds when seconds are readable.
2,52
